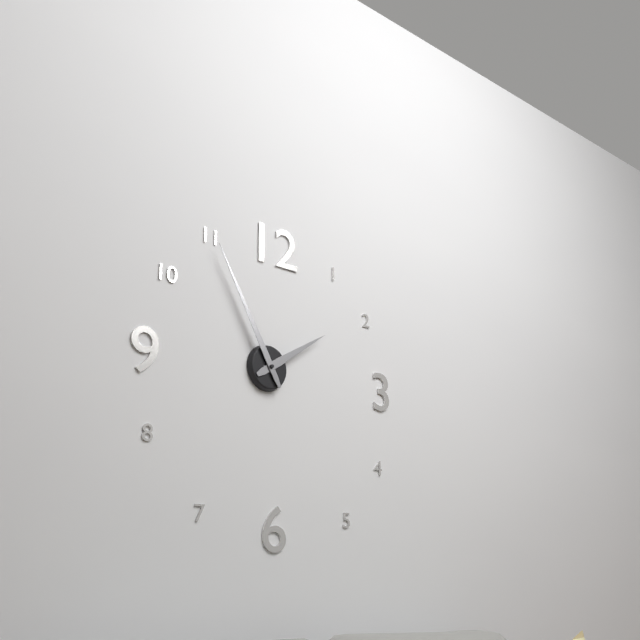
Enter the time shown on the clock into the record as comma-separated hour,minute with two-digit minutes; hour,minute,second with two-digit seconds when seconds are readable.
1,55
